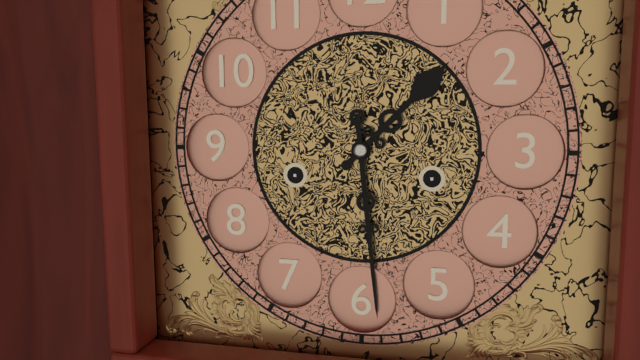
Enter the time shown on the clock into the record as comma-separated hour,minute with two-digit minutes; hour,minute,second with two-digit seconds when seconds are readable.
1,29
